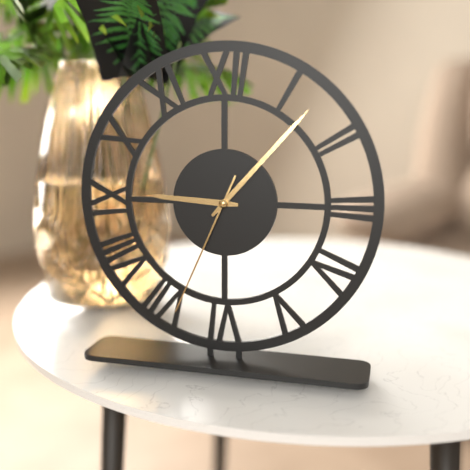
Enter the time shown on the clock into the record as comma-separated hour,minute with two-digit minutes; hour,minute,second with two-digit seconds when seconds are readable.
9,07,34
